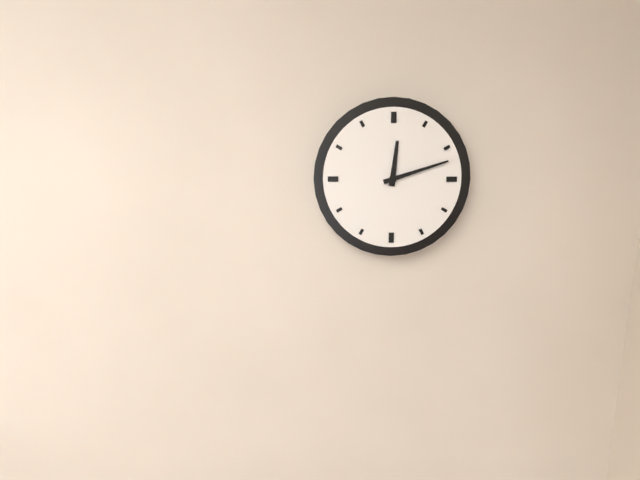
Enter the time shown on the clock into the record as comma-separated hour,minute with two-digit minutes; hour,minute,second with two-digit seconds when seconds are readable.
12,12
